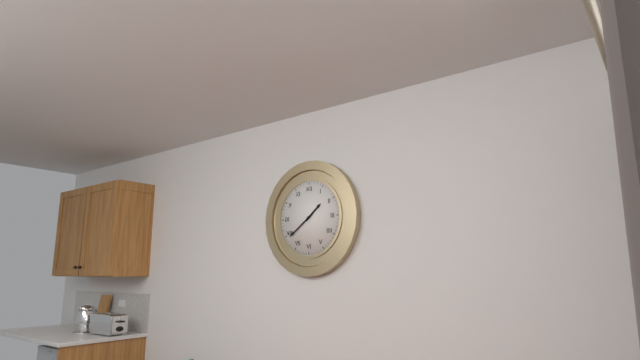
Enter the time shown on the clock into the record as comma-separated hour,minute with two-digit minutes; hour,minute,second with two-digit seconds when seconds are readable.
1,39
